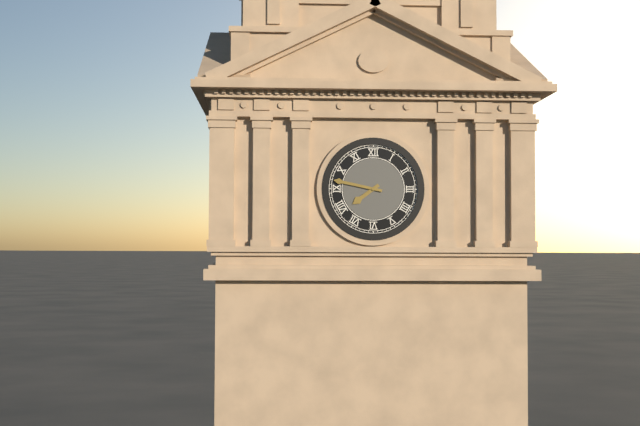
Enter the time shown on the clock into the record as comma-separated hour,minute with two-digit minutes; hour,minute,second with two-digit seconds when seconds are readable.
7,47
